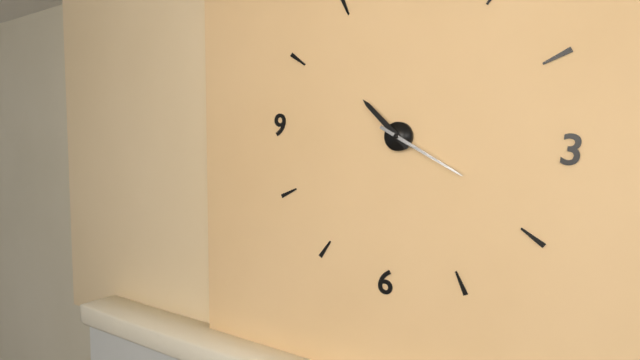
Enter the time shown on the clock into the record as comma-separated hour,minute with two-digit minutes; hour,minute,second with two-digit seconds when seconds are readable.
10,19
